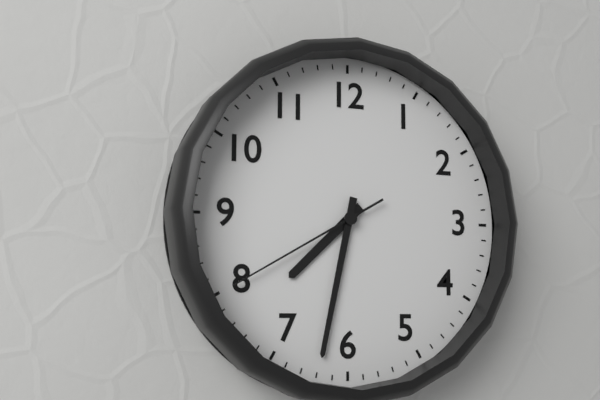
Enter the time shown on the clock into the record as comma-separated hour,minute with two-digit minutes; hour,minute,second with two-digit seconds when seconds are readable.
7,32,40
